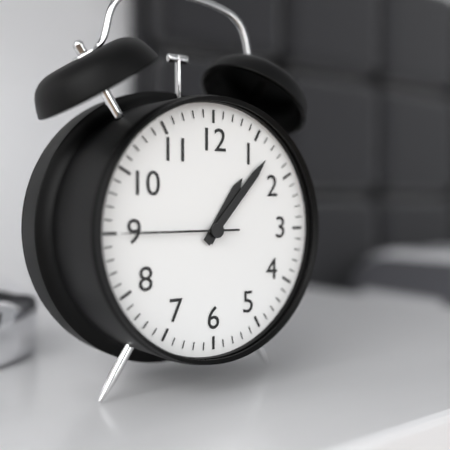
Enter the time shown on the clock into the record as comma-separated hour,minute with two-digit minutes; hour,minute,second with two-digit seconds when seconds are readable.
1,07,45
